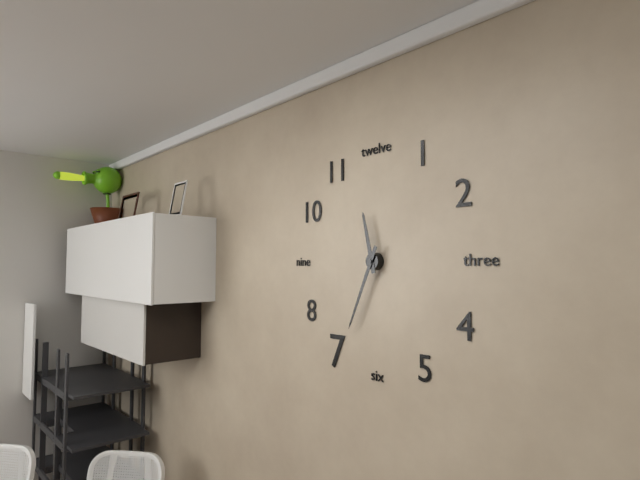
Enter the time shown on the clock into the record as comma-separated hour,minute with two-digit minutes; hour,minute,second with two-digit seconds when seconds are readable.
11,34
